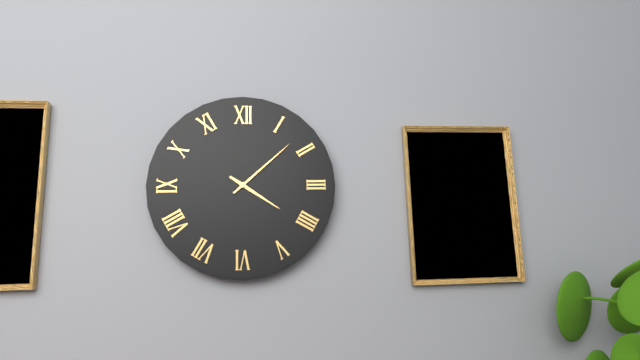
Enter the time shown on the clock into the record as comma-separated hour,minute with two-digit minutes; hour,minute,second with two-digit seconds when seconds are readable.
4,08
